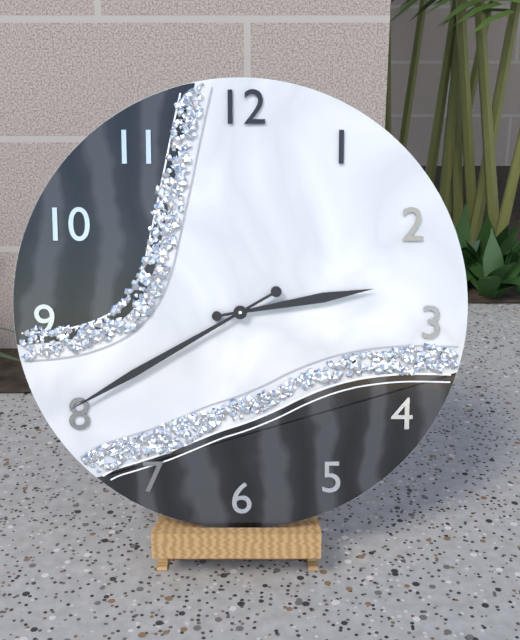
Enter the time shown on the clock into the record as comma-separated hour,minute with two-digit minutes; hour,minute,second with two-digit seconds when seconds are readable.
2,40
